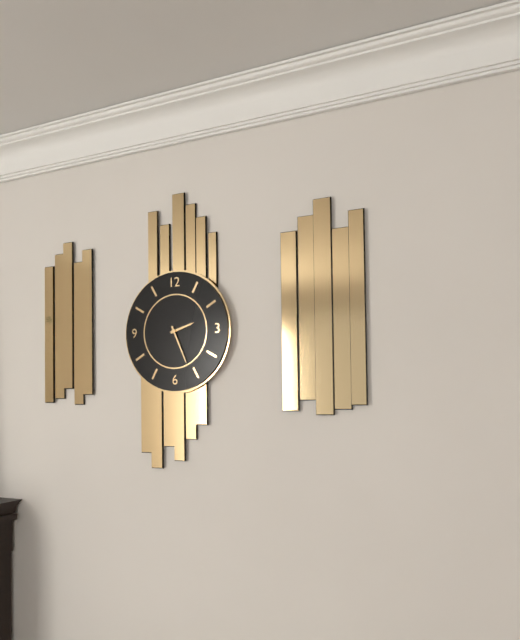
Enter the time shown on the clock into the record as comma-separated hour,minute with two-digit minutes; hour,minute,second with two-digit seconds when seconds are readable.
2,26
